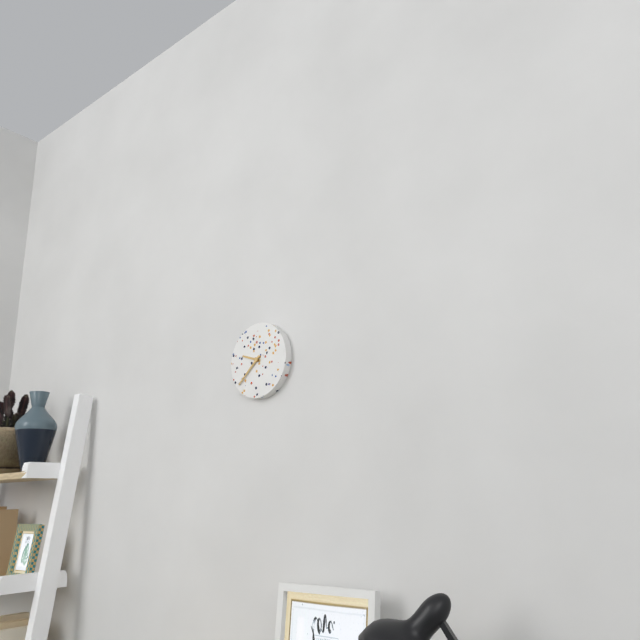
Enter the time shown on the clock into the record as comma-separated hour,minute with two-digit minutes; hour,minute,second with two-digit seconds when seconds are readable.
9,38
